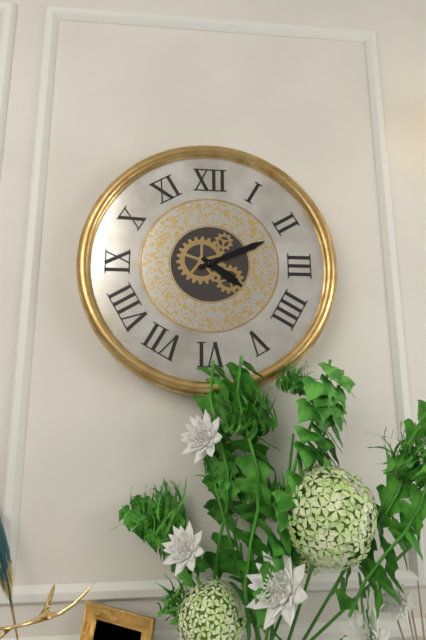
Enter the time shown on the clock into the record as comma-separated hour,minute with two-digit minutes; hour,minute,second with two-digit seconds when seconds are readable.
4,11
